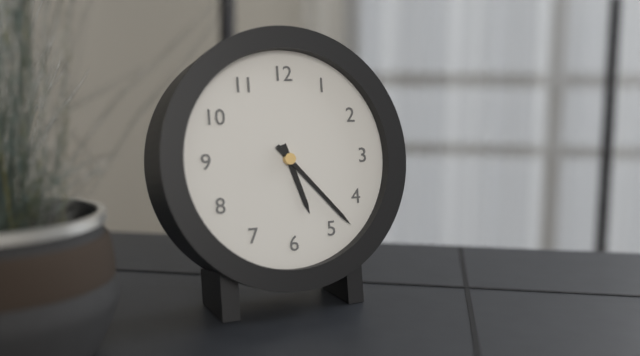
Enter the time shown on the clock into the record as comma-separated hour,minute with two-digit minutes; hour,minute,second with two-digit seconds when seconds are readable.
5,23
